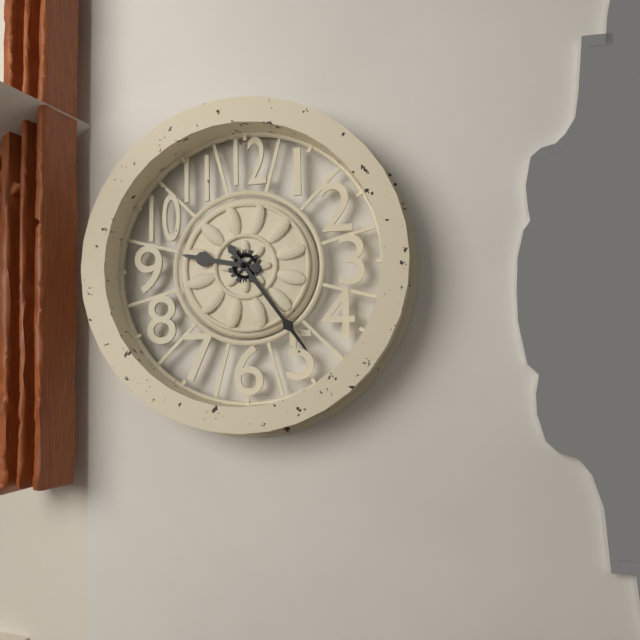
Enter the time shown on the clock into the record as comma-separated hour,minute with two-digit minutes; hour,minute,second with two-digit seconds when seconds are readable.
9,24
